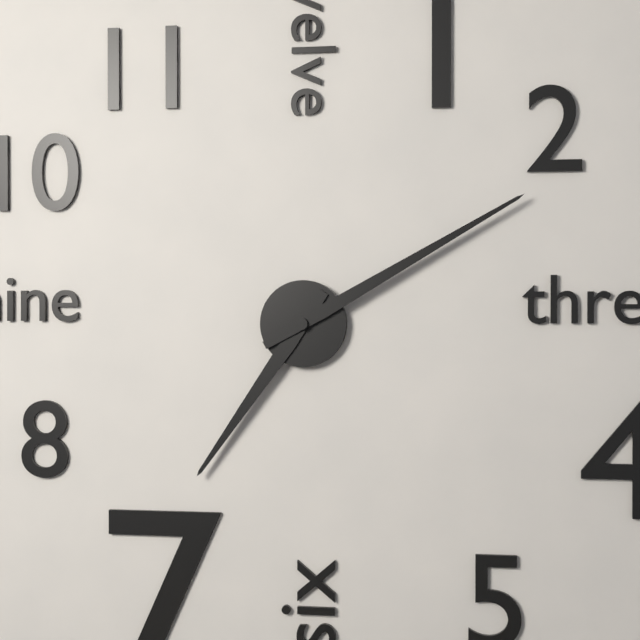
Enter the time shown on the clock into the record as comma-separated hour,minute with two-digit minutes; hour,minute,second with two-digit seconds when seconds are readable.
7,10
